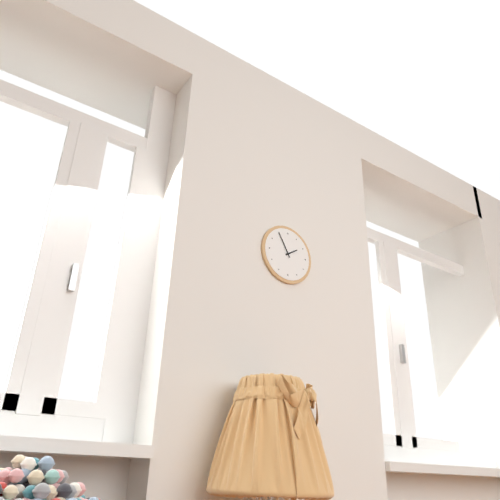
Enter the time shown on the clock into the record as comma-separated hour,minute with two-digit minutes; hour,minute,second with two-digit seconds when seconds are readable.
1,55
